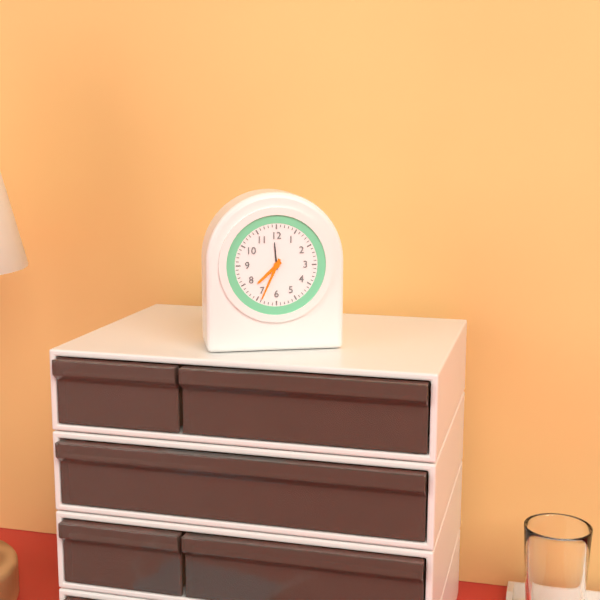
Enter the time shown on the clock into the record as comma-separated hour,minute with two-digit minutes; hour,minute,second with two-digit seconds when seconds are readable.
7,34
